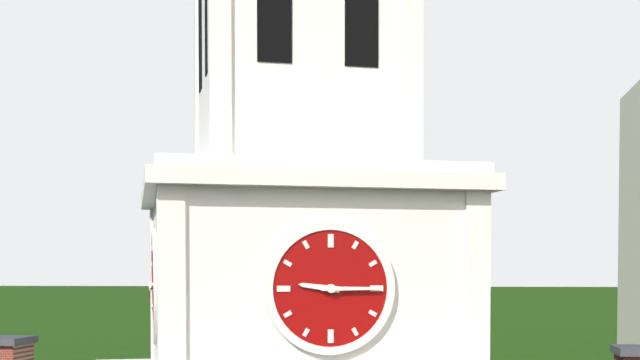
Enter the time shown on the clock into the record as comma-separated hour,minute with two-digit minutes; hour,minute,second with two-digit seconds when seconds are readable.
9,15
